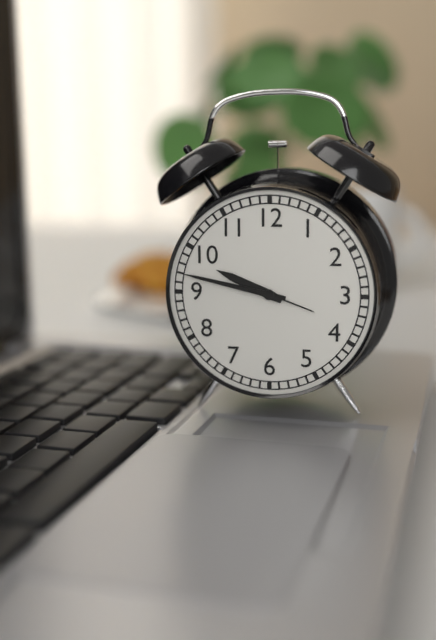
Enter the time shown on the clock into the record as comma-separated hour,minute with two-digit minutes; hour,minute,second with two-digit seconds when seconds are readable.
9,47
